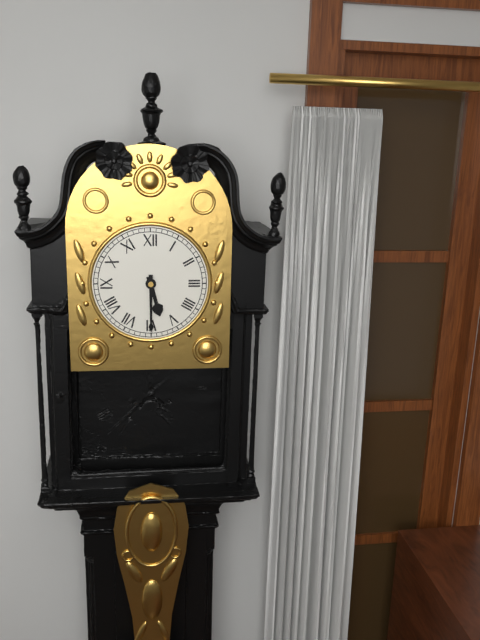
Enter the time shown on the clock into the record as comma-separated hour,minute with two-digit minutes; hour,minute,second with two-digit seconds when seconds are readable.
5,30
